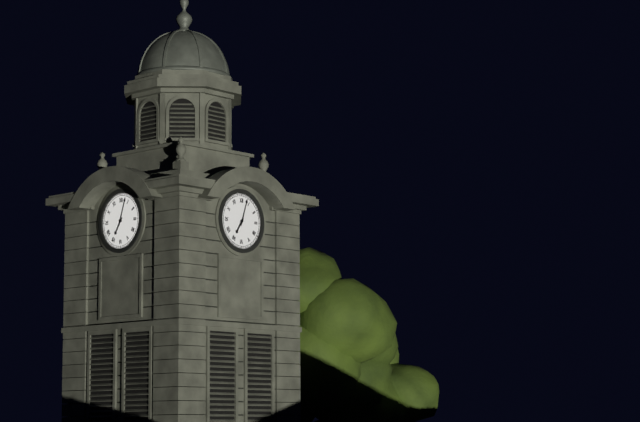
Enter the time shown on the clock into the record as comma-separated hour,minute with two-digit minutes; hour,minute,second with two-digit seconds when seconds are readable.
7,03
